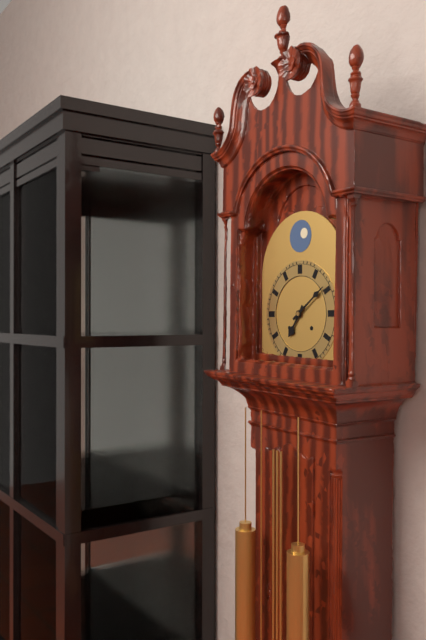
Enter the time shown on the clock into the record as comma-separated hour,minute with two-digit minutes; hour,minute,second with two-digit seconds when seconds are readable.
7,09
